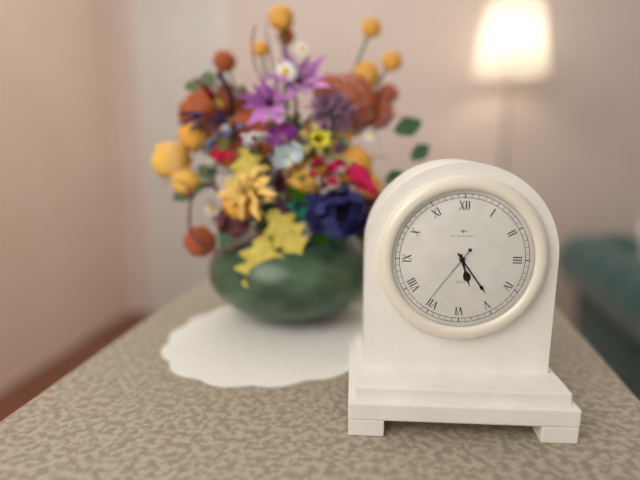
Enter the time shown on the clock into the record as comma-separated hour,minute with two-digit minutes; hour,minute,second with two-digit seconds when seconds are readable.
5,24,36
